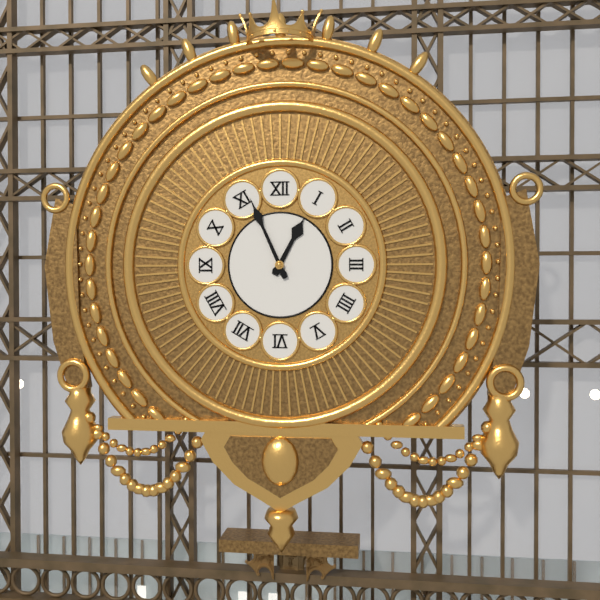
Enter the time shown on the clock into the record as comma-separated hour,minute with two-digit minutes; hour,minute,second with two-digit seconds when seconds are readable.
12,56
